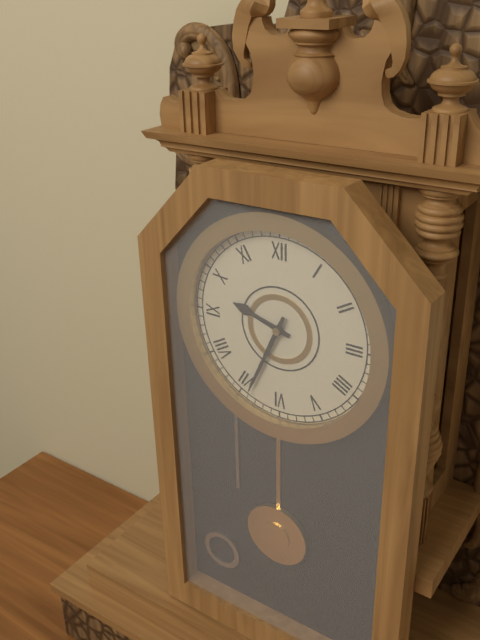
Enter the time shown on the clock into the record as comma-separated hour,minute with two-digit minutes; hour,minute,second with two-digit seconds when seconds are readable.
9,34
